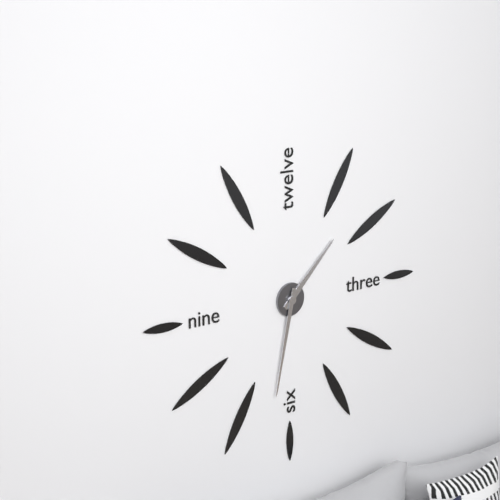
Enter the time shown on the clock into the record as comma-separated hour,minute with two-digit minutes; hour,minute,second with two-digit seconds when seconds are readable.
1,32
